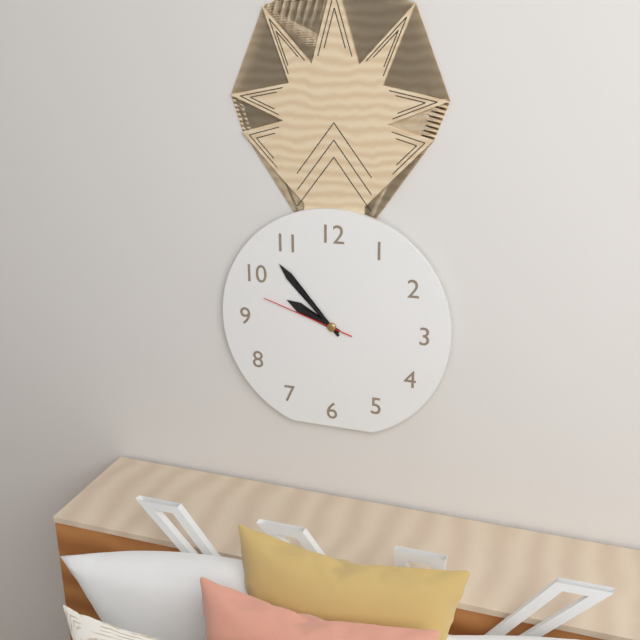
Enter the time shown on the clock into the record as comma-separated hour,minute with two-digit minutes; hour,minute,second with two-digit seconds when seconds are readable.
9,53,48
